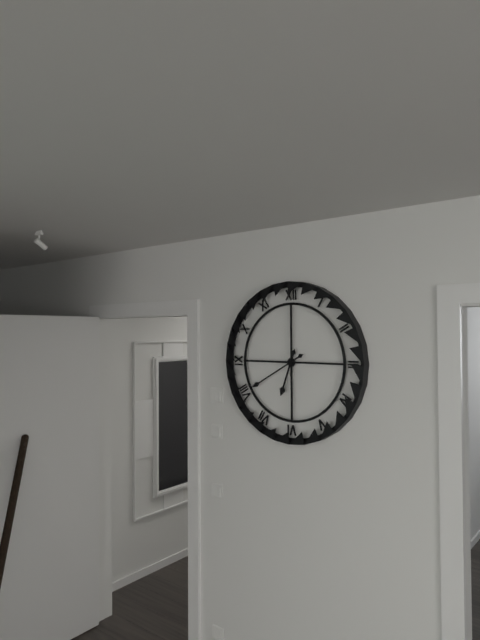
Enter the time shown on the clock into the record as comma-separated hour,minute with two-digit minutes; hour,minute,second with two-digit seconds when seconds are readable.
6,40
